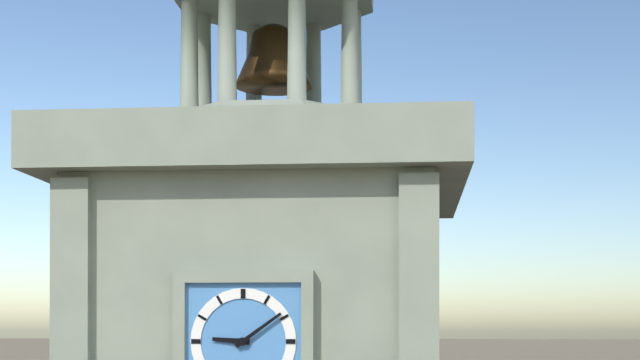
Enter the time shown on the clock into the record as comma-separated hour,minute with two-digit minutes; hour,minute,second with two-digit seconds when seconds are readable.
9,09
